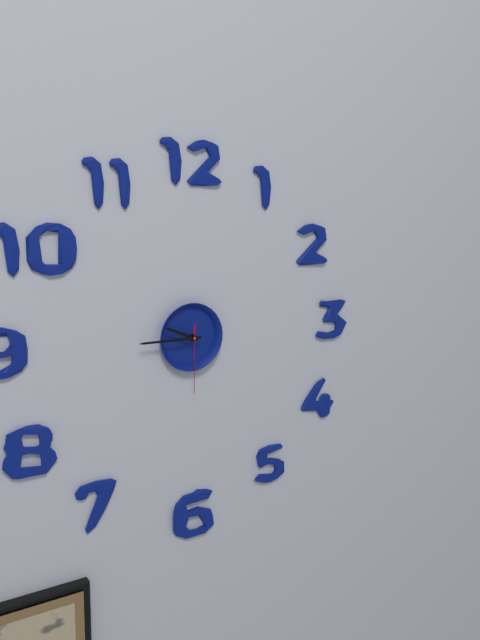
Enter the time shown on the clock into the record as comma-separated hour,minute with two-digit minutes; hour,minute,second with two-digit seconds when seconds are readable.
9,45,30
